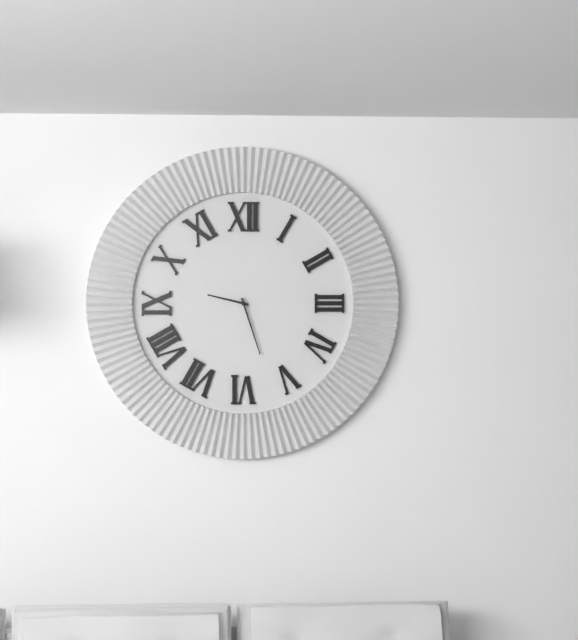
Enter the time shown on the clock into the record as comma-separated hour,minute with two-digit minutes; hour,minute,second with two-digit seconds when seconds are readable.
9,27
